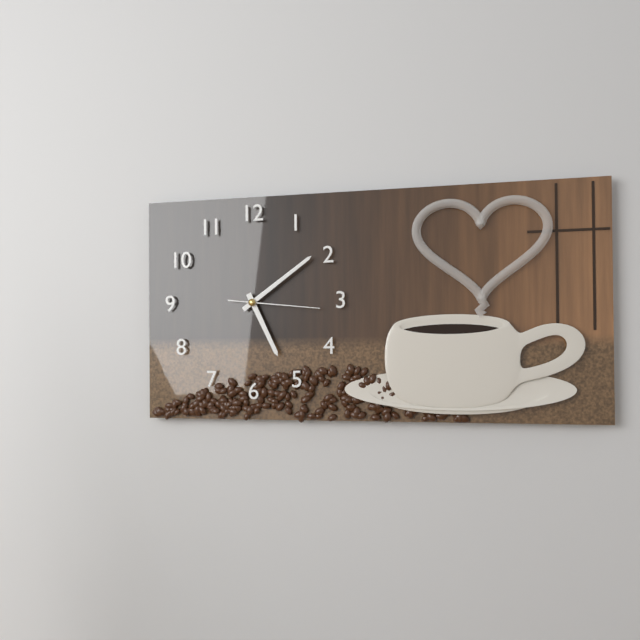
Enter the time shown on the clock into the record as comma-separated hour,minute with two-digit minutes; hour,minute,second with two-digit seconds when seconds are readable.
5,09,16
